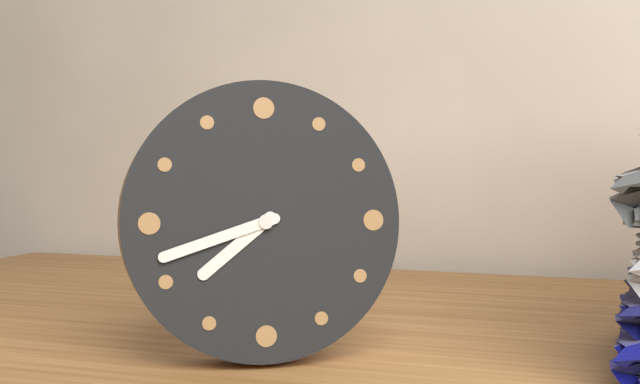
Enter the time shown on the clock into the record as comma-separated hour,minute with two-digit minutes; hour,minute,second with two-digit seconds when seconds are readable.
7,42
